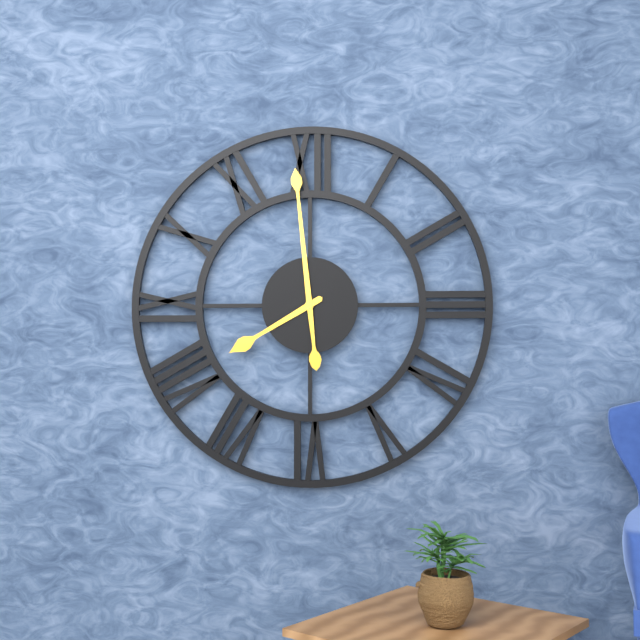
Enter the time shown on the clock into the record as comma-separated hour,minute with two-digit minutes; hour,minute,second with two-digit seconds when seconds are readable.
7,59
